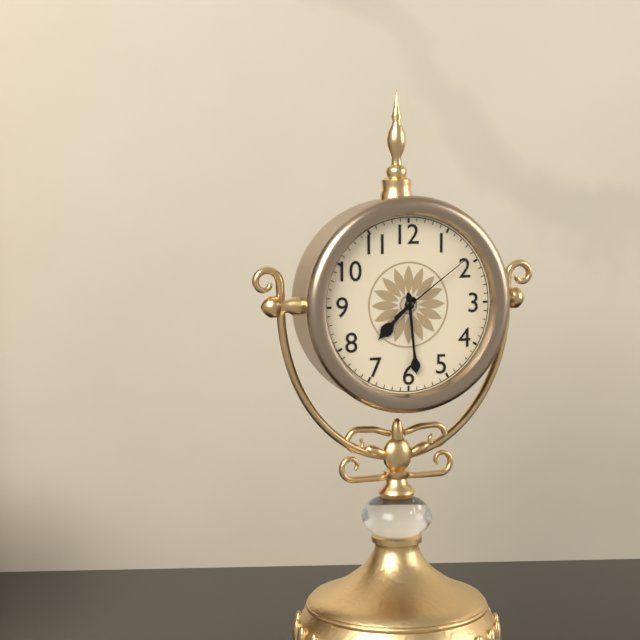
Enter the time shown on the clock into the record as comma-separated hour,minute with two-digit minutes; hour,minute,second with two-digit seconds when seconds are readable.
7,29,09
